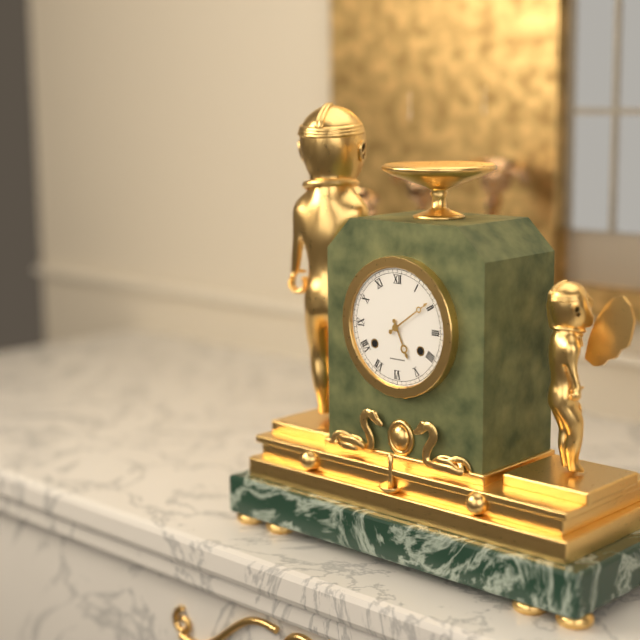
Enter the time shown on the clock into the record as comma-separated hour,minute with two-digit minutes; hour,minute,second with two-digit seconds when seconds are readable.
5,09
